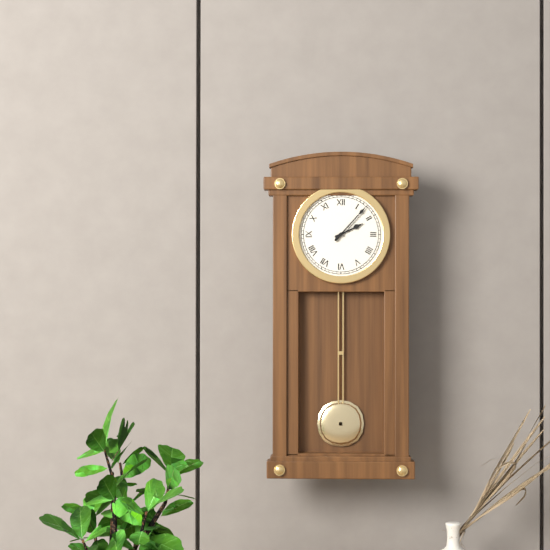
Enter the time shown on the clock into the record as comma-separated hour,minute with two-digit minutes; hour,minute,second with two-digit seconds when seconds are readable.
2,07
